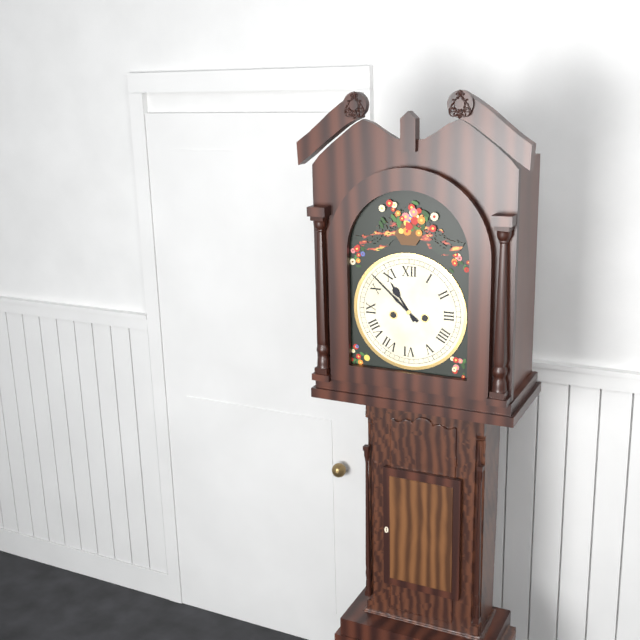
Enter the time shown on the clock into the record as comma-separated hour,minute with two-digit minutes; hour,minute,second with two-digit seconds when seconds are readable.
10,52
